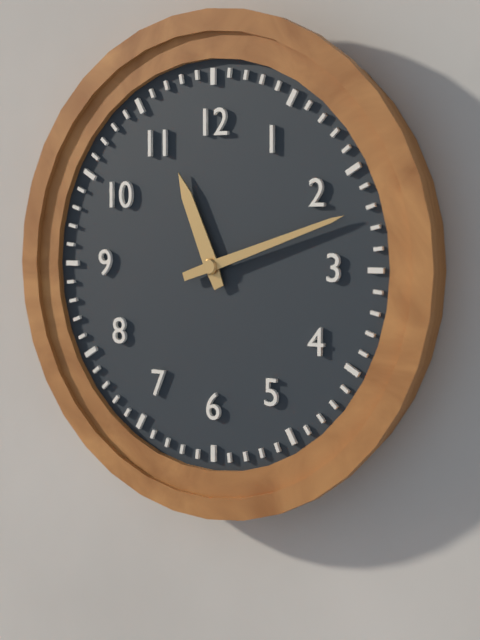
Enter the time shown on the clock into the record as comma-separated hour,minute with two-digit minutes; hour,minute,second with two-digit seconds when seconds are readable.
11,12
